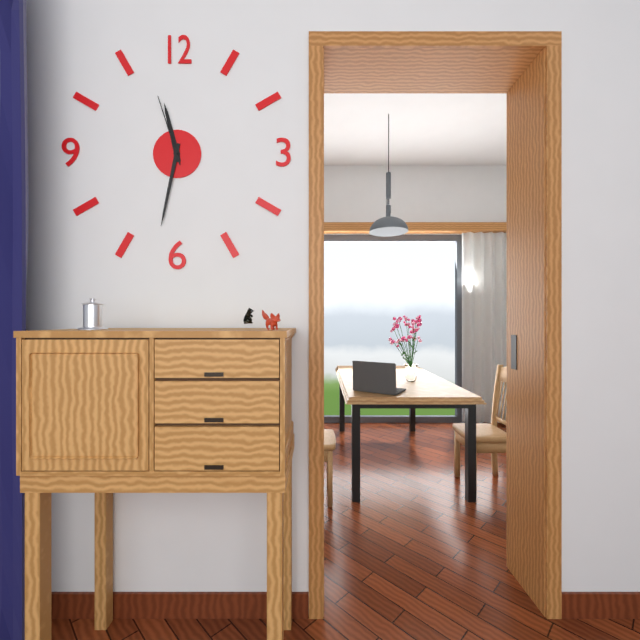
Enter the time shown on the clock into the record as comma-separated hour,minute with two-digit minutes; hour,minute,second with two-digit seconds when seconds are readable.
11,32,57
